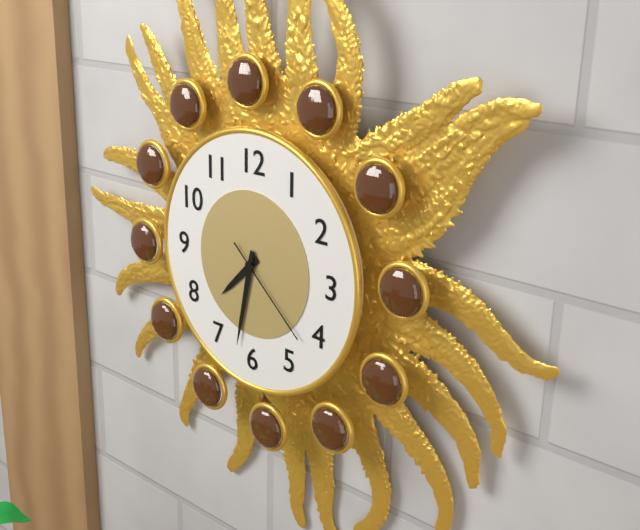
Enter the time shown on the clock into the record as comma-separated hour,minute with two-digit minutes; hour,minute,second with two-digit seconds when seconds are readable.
7,32,22
